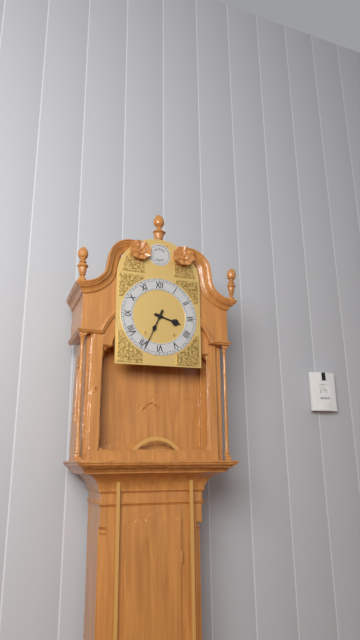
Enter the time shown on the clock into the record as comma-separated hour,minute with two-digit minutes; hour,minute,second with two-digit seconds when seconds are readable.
3,34
